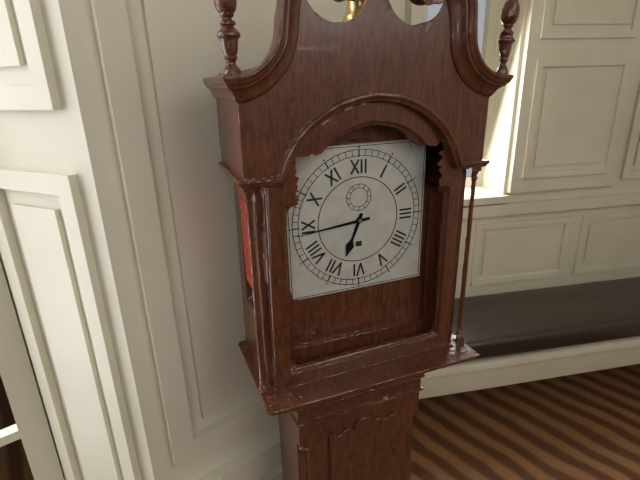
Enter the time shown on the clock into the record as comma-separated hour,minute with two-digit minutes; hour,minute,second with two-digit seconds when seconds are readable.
6,44
